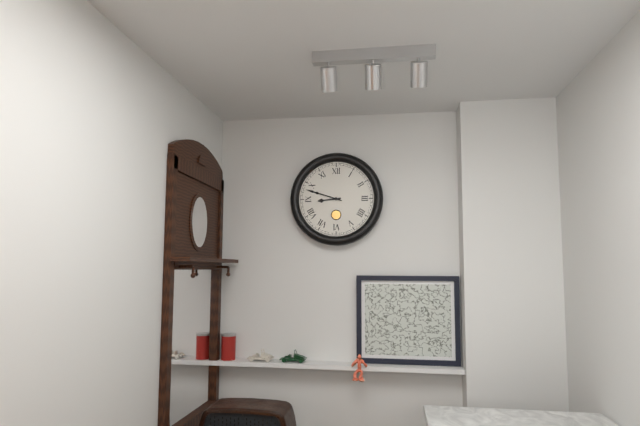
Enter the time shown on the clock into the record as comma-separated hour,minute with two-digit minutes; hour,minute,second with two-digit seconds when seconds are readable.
8,48
